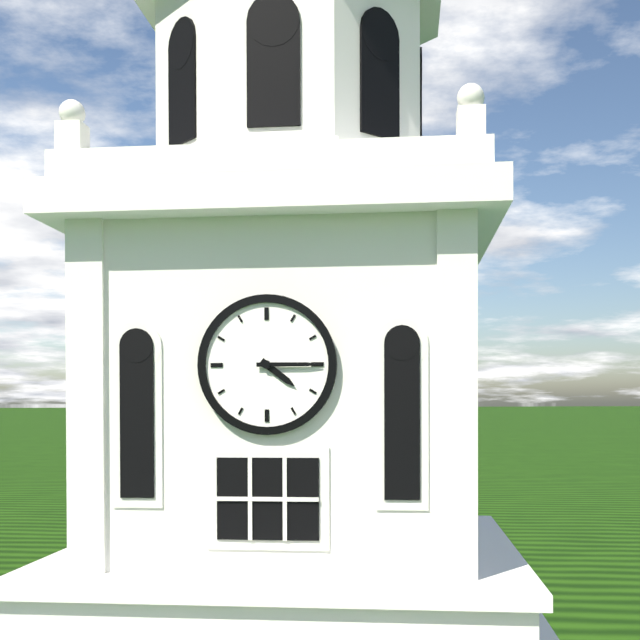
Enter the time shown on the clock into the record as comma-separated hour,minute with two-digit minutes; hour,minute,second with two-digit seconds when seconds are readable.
4,15
